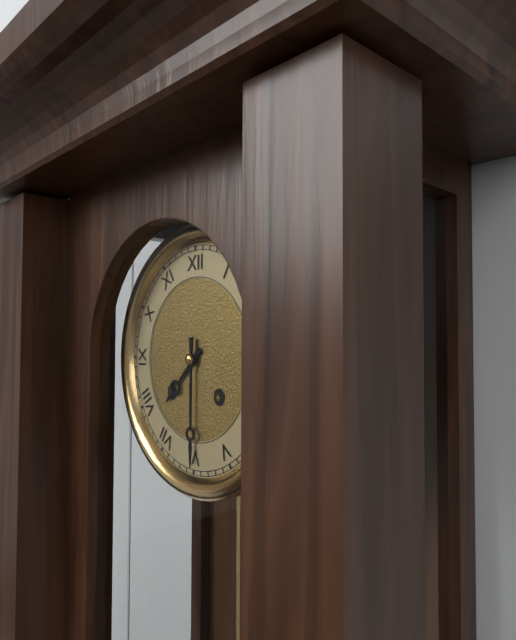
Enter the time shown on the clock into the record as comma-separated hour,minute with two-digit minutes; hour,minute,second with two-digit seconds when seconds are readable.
7,30
